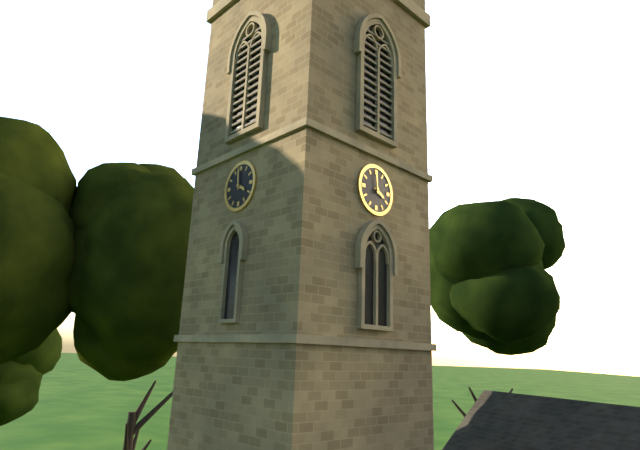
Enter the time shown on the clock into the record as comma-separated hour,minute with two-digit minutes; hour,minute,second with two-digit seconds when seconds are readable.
3,59
